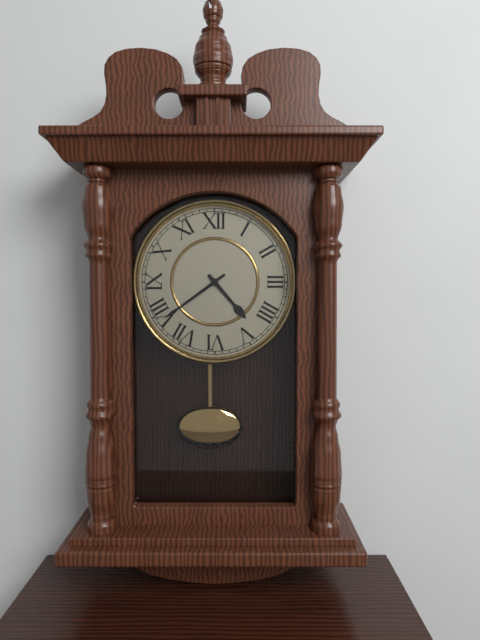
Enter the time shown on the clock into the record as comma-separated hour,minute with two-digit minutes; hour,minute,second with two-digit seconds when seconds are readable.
4,39
